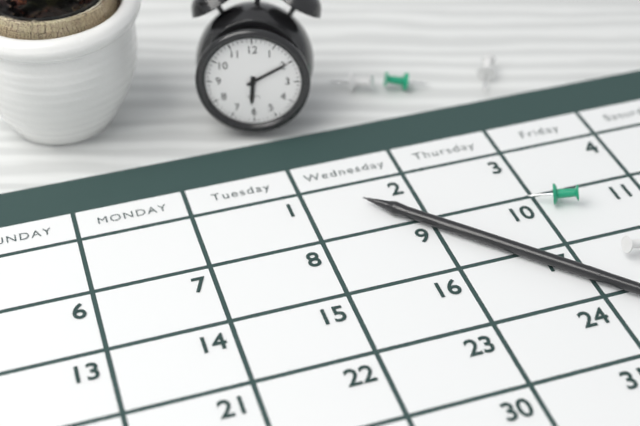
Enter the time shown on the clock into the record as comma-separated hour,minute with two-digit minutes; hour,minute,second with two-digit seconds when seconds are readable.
6,10
